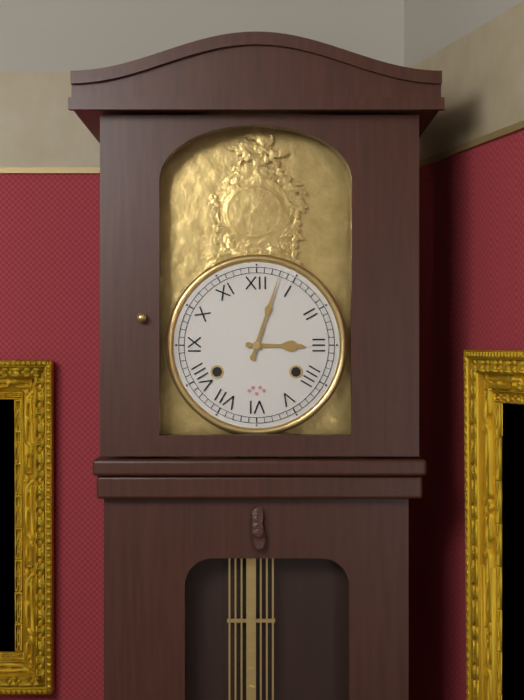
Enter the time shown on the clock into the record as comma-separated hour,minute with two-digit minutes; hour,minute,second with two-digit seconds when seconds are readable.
3,03
